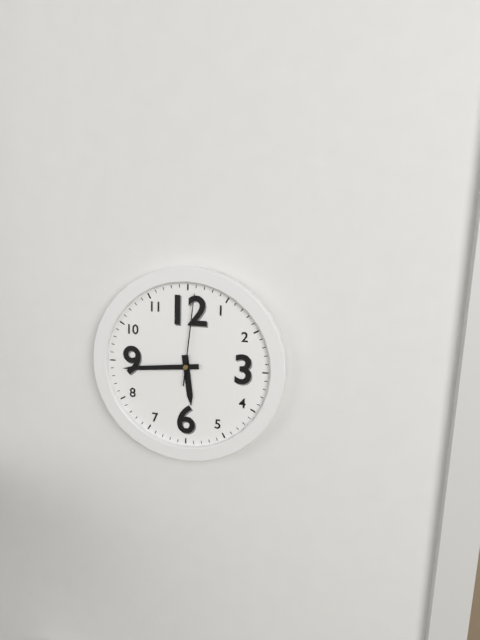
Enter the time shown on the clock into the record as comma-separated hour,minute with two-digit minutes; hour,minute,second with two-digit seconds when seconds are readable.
5,44,01
